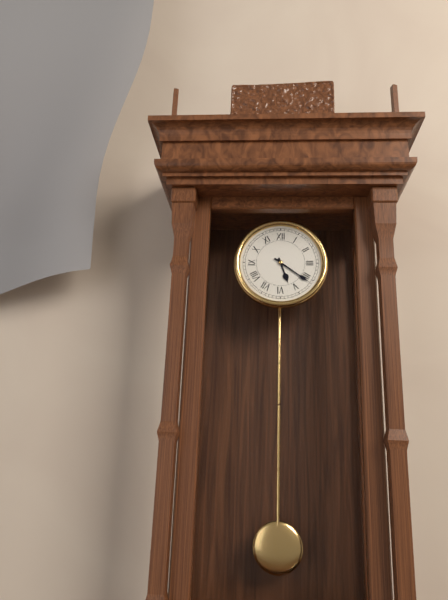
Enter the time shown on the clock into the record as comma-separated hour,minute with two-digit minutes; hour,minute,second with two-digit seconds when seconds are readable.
5,21
